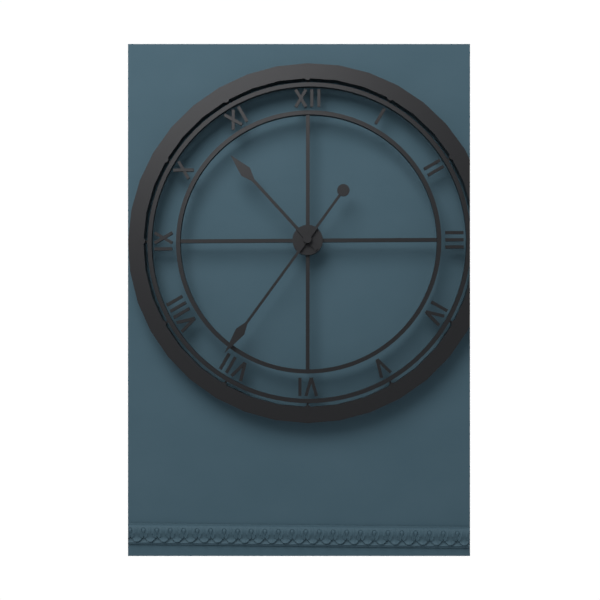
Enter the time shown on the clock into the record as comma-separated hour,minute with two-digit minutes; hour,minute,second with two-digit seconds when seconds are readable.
10,36
